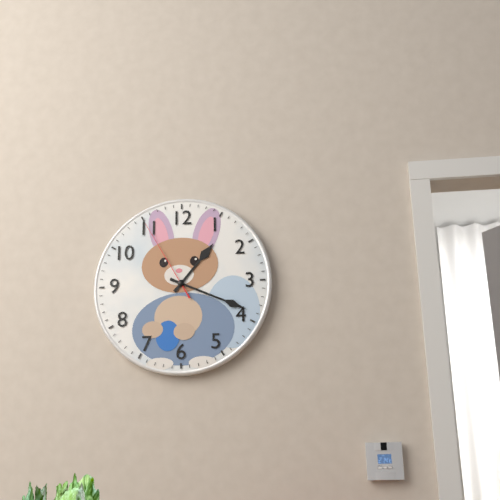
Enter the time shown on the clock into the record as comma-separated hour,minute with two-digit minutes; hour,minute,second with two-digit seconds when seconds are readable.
1,19,55
